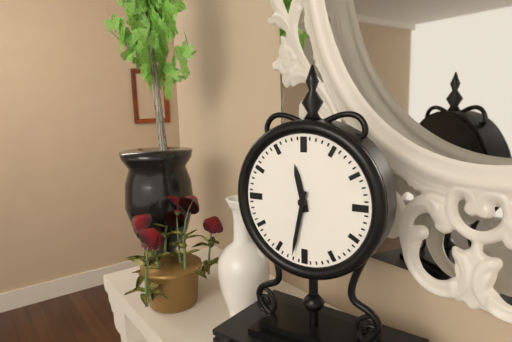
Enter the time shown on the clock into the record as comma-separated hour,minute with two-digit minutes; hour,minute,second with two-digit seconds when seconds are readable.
11,32
